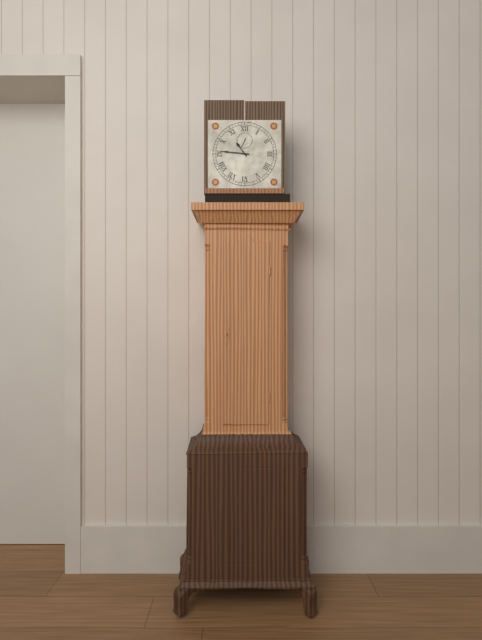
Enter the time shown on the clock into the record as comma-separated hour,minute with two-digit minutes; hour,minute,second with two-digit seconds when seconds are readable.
10,46
